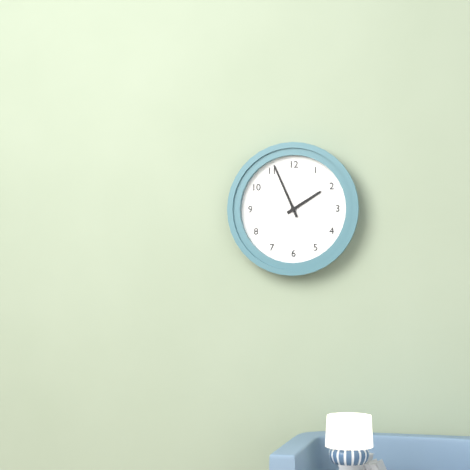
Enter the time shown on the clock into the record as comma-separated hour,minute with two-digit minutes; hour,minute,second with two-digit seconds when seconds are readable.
1,56
